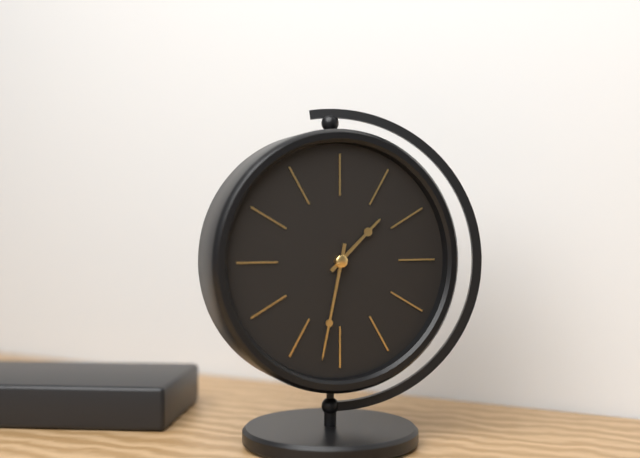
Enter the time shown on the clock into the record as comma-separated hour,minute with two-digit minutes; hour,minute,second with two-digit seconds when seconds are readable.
1,32
